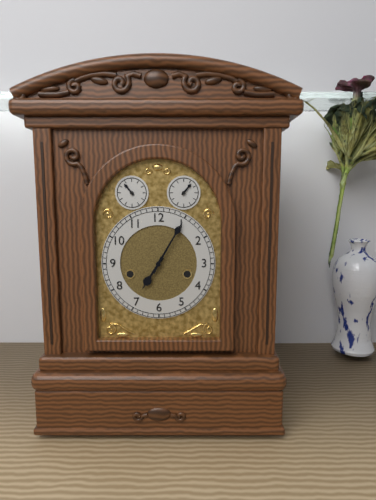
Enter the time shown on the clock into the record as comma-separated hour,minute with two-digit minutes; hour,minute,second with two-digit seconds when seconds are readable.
7,05
